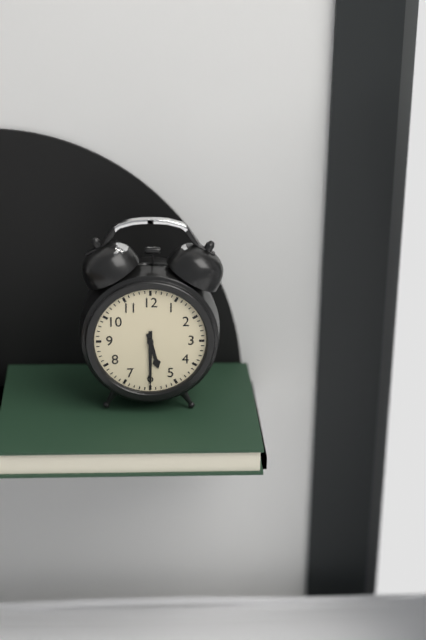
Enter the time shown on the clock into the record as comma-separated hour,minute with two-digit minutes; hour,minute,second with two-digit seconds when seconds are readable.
5,30
